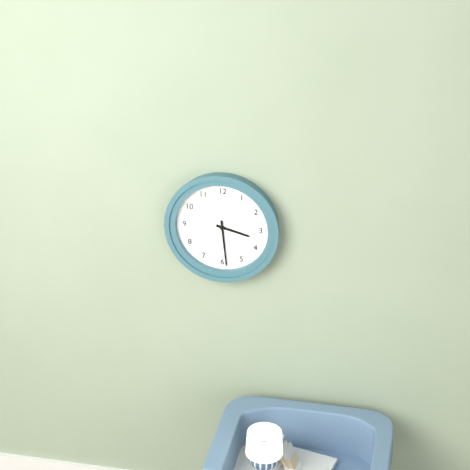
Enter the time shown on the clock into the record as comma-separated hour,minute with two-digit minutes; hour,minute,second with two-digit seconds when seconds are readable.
3,29
